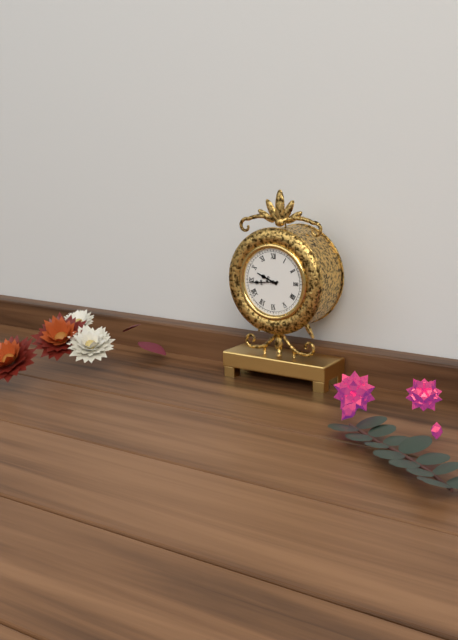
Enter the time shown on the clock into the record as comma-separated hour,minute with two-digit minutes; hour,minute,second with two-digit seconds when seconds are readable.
9,44
